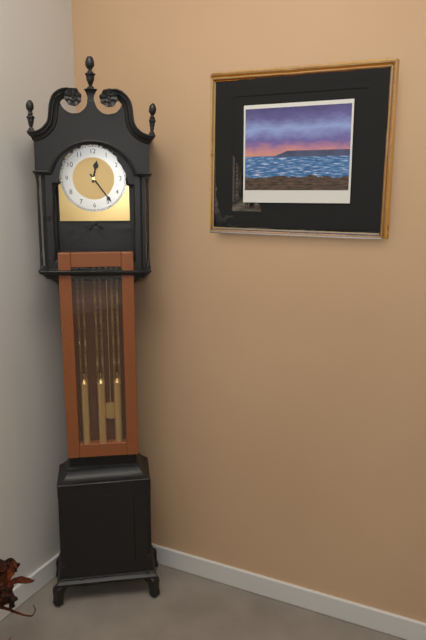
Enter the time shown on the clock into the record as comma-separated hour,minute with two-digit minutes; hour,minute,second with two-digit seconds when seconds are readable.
12,24
